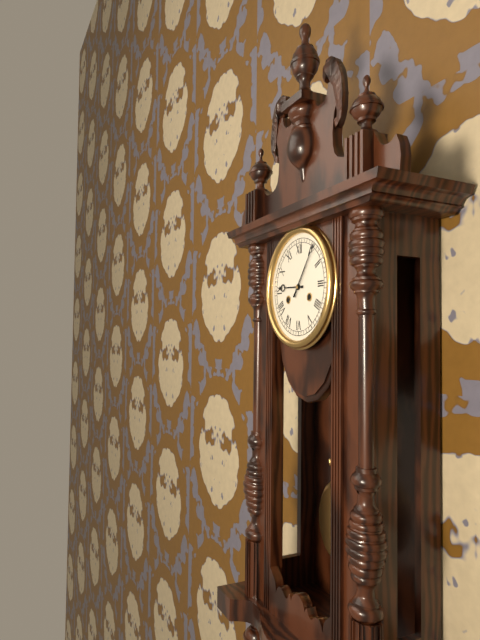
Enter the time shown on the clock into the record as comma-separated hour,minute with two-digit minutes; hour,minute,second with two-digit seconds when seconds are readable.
9,06
